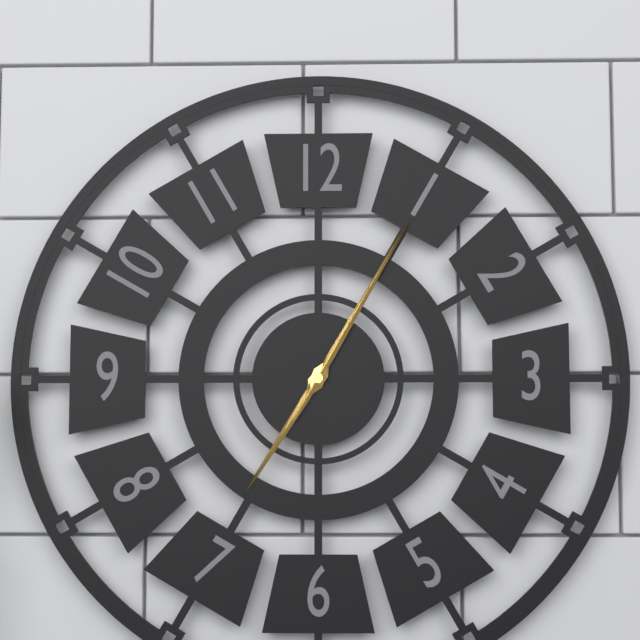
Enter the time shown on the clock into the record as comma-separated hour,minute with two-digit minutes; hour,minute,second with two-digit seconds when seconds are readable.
7,05,05
